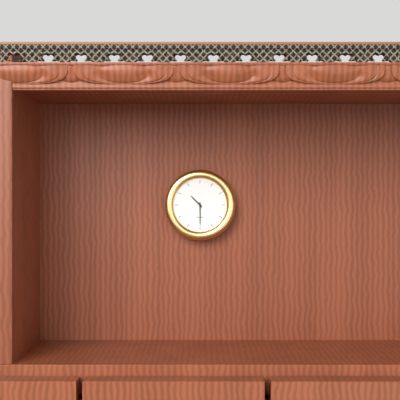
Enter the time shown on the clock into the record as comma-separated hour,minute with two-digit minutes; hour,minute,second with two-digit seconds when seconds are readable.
10,30
